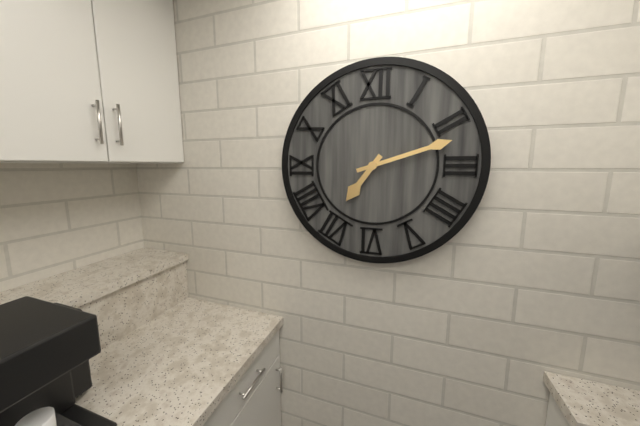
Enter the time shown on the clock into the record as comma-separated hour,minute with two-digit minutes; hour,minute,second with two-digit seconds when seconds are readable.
7,12
